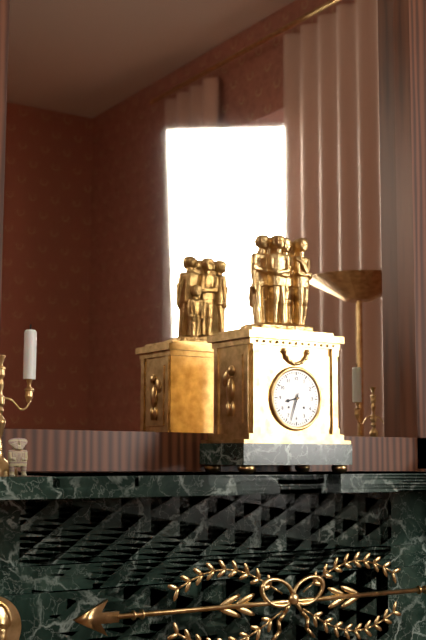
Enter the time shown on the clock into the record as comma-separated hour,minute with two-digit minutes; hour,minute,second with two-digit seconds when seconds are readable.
8,33
